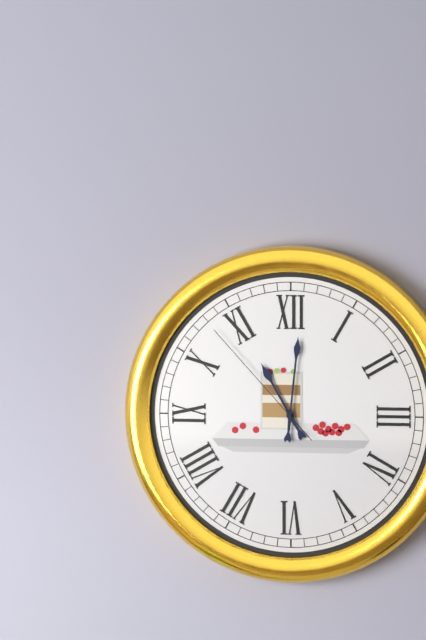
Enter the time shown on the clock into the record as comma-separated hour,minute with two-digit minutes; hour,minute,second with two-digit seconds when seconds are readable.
11,01,53
